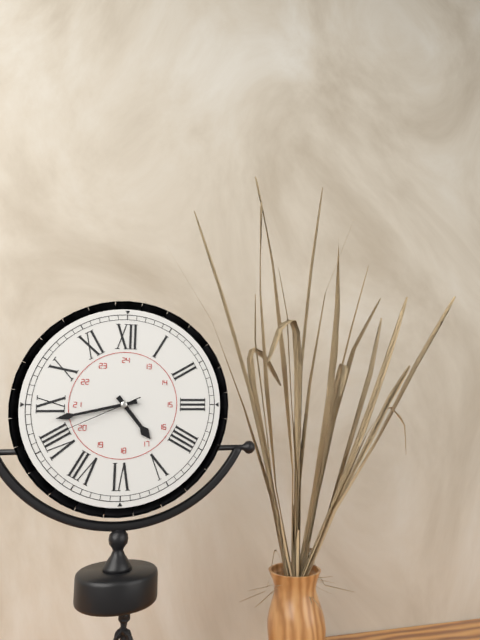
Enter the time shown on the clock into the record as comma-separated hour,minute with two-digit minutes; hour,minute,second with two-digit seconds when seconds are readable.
4,43,41
